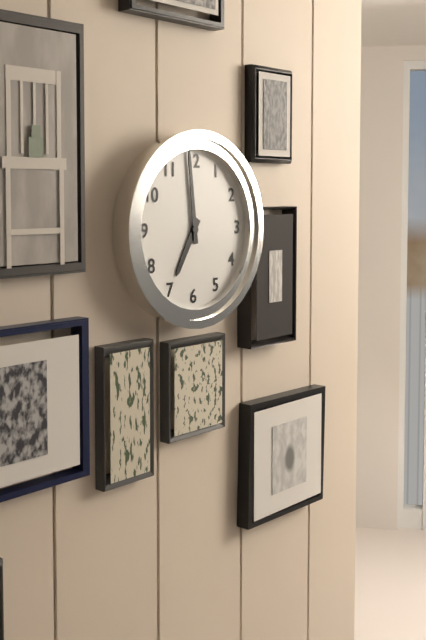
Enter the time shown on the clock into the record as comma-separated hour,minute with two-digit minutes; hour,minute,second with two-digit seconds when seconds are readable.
6,59
